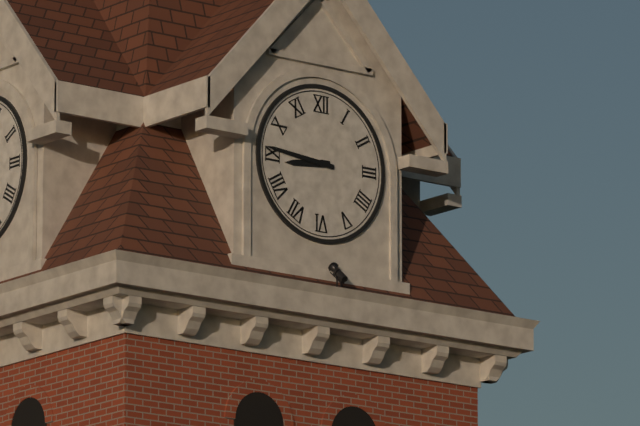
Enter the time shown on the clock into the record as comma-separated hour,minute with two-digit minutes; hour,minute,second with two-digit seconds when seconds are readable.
8,46
